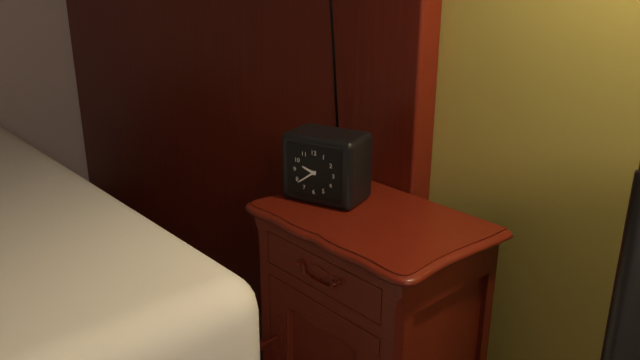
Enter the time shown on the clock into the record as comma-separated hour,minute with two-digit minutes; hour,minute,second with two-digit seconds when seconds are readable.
9,39
